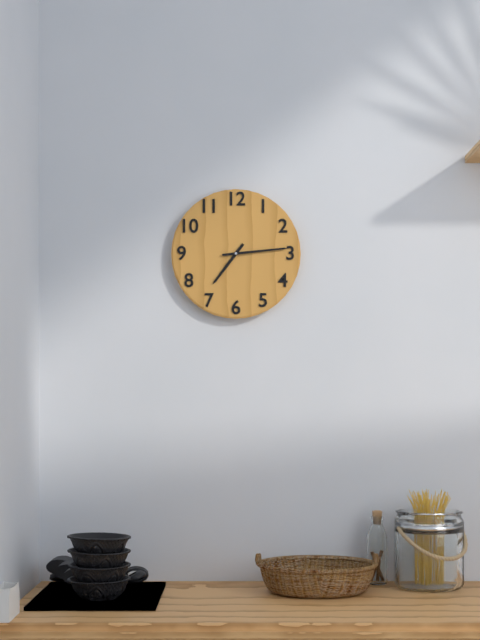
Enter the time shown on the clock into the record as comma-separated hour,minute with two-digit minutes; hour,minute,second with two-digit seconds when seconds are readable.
7,14
